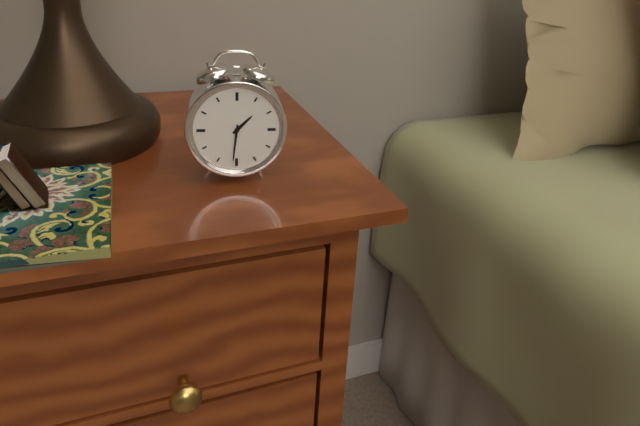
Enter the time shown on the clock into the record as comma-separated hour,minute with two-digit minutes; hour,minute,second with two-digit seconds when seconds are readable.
1,31
